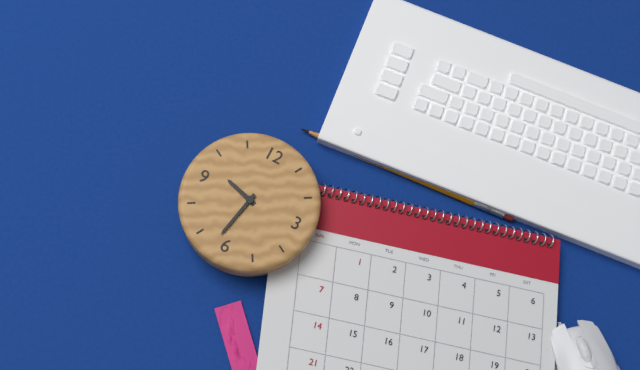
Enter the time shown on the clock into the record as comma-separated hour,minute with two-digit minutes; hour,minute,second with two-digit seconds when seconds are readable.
9,32
